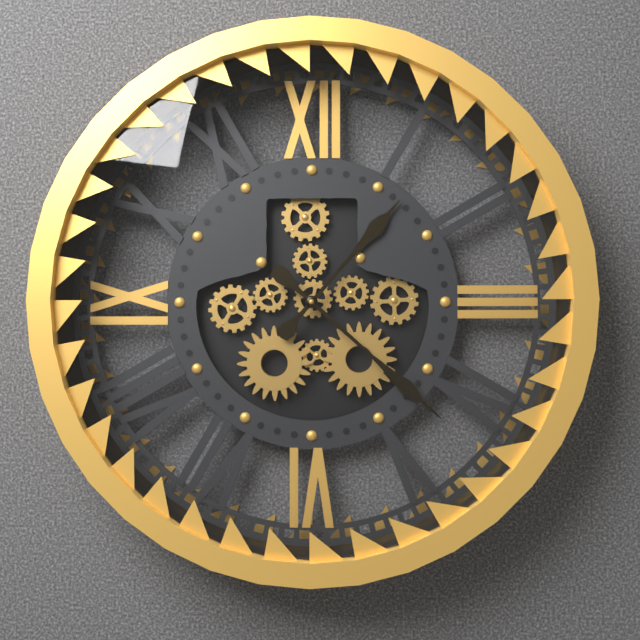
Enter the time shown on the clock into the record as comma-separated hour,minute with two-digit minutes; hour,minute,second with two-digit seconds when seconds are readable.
1,22
